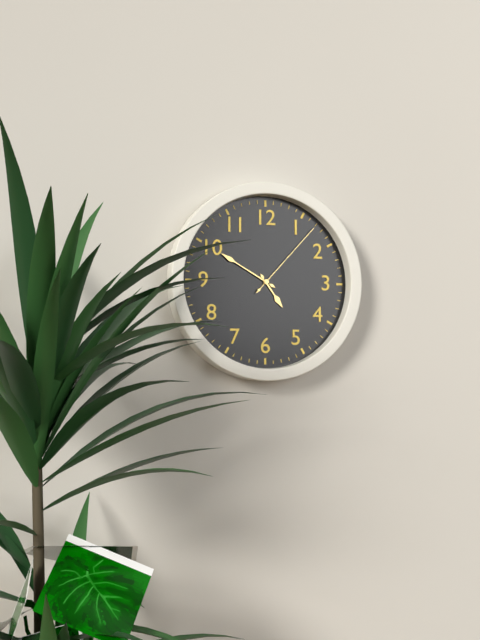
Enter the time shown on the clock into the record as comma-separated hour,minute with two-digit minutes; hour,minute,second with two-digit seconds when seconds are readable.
4,50,07
